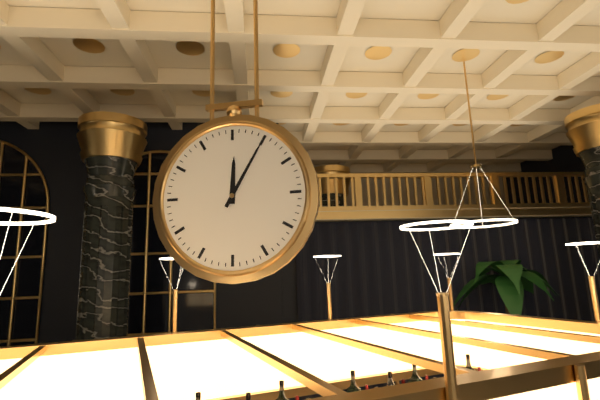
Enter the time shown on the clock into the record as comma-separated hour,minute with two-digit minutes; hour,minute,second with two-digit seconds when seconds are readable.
12,05
